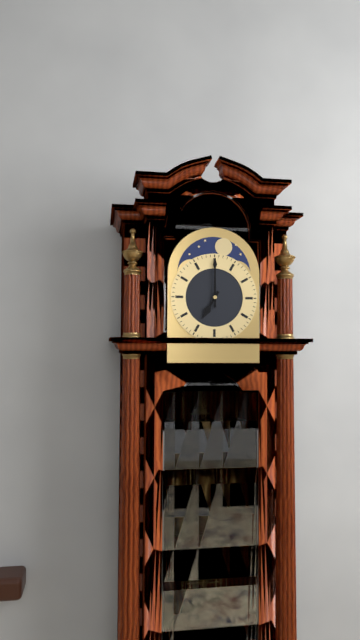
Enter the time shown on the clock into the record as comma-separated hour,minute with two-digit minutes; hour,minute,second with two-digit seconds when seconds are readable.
7,00
